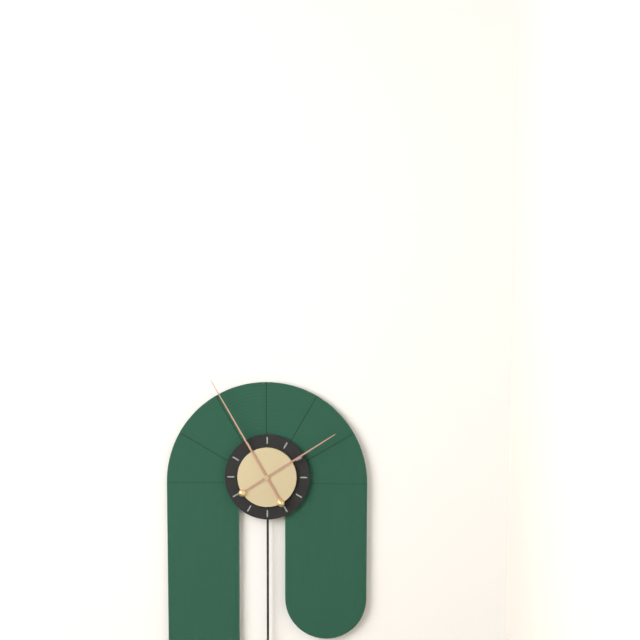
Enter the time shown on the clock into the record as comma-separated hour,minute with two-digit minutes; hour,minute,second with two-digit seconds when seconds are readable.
1,55
